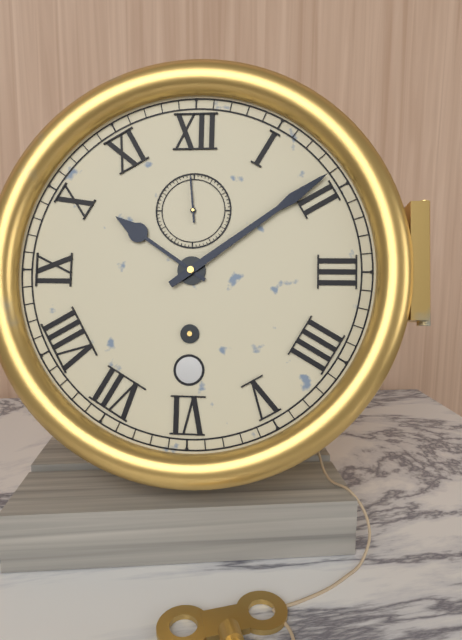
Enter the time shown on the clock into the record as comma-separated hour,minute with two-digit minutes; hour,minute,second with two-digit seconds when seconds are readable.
10,09
